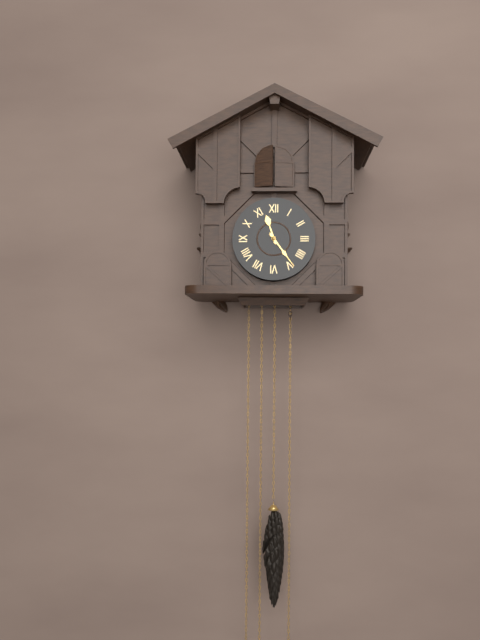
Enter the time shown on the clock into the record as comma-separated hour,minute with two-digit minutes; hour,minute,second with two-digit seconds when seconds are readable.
11,24
